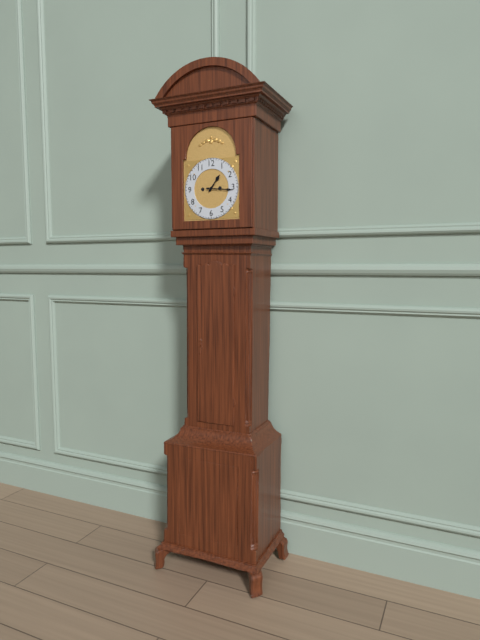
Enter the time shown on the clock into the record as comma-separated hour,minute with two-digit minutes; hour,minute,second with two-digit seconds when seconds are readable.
1,16
